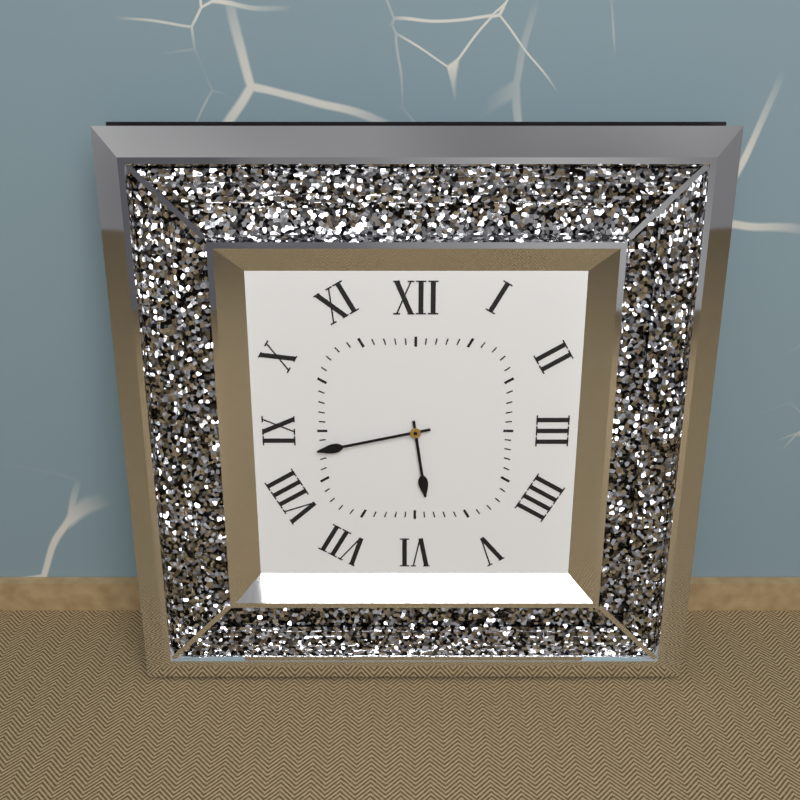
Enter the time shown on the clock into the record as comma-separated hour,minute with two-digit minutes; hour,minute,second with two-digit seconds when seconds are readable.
5,43
